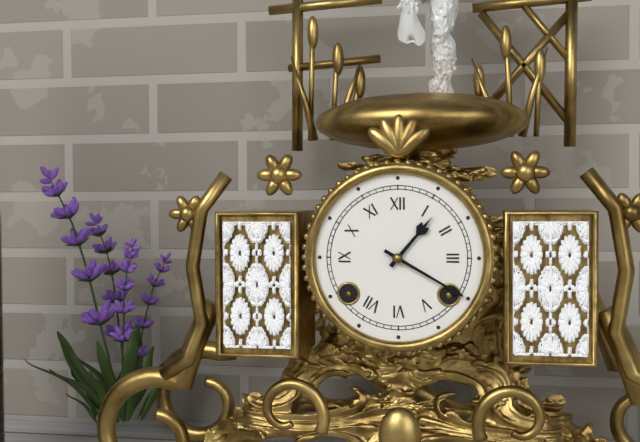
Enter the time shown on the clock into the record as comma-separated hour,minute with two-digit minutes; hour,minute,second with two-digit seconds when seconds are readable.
1,20
